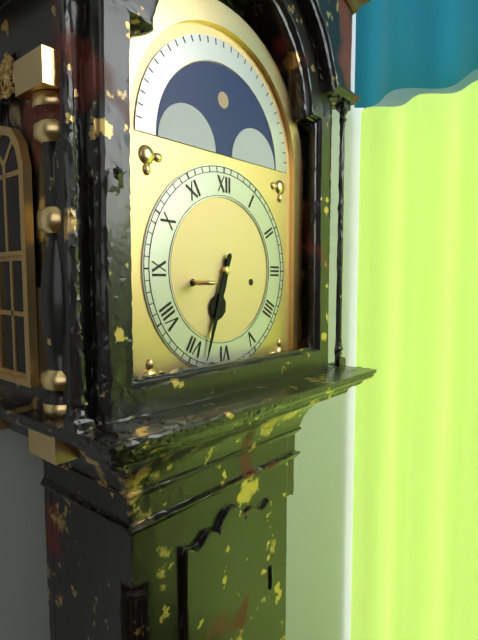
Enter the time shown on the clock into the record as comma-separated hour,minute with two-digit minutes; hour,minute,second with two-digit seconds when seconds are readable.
6,33
